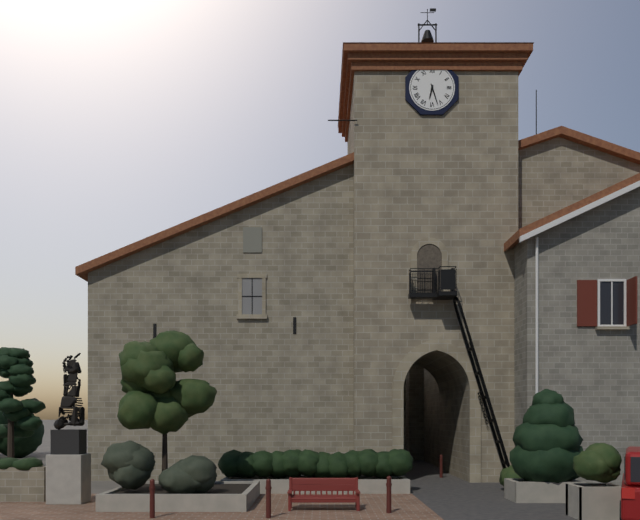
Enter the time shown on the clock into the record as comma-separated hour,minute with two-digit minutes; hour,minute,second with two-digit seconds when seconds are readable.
6,27
